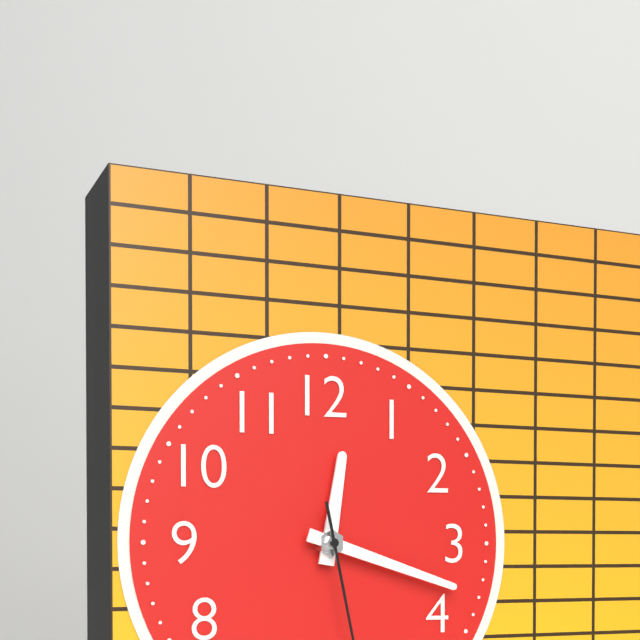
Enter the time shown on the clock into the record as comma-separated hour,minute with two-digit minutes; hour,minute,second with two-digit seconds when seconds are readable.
12,18
